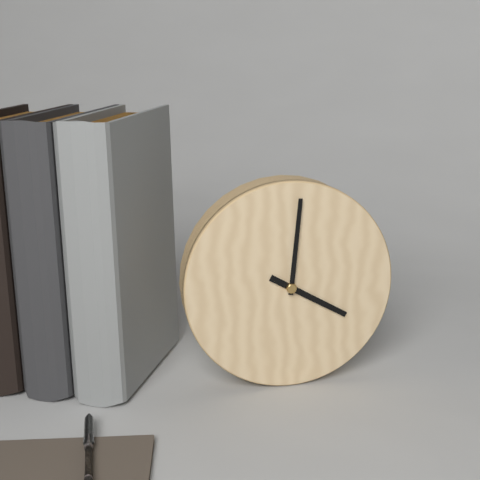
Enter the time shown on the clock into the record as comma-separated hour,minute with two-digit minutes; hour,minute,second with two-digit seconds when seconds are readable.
4,01
